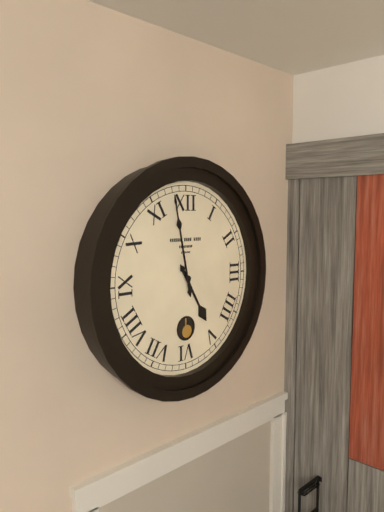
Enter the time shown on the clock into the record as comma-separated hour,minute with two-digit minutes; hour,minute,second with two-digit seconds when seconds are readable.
4,58
